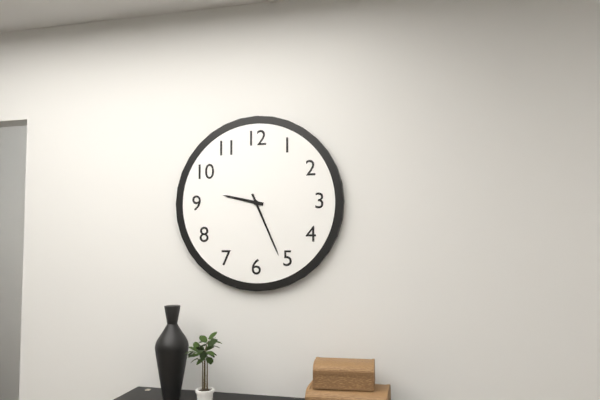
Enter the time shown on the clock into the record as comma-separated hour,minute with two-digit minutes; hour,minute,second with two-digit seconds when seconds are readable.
9,26
